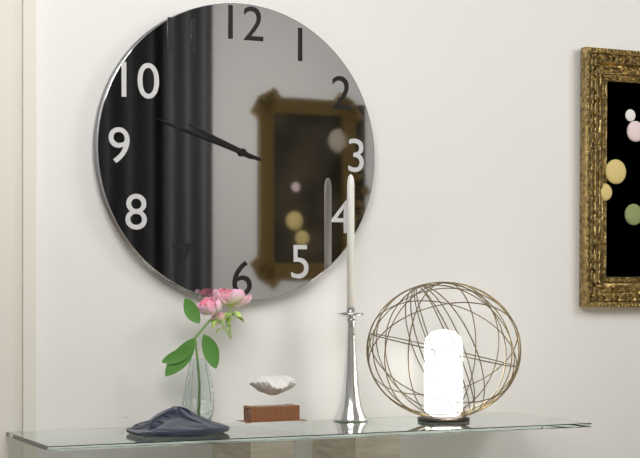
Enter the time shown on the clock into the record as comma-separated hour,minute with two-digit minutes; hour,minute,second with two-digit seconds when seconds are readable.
9,48
